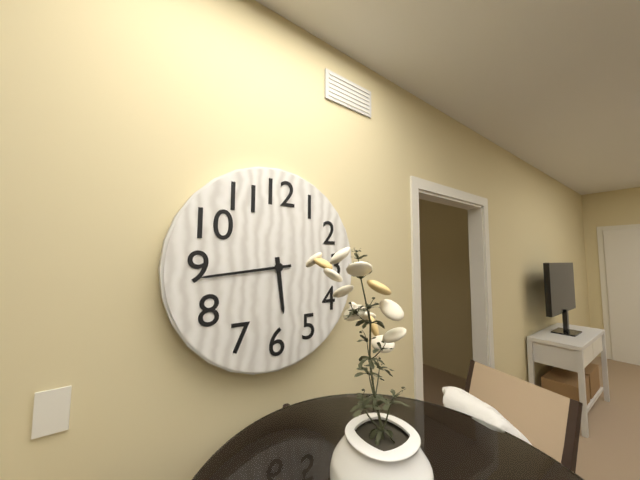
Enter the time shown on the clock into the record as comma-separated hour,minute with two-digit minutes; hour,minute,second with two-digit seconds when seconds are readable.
5,44
